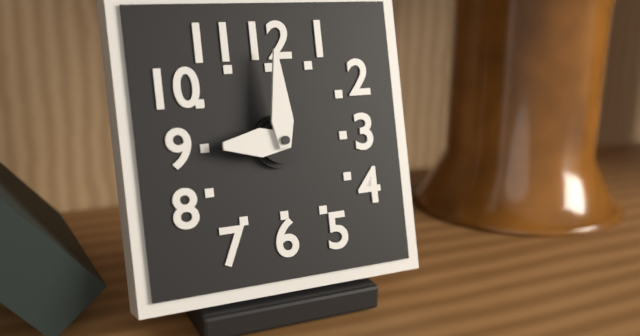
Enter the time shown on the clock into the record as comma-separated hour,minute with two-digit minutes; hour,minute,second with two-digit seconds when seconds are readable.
9,00
